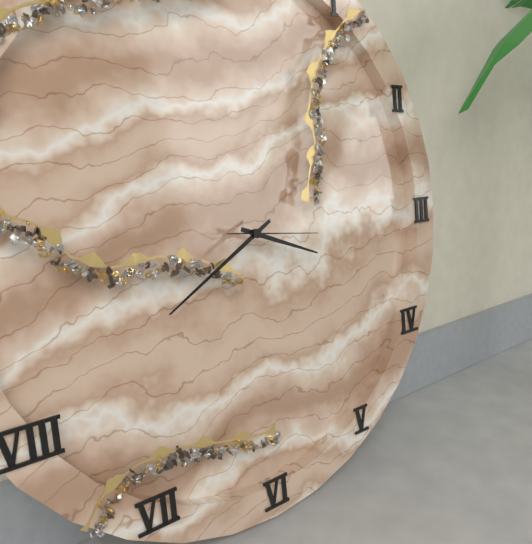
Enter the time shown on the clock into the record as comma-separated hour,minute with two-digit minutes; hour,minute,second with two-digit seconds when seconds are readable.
3,40,16
